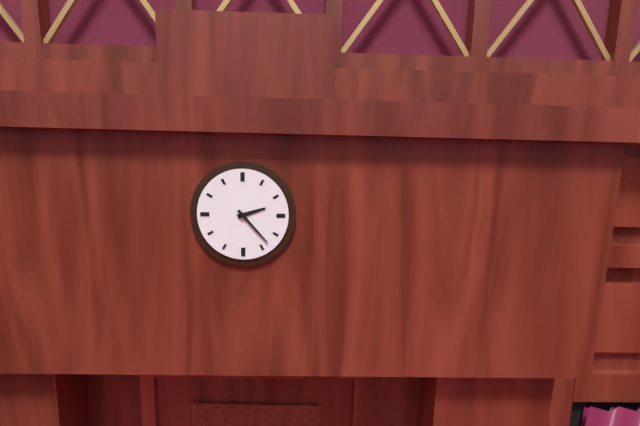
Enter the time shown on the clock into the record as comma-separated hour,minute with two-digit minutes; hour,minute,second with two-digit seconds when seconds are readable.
2,23
